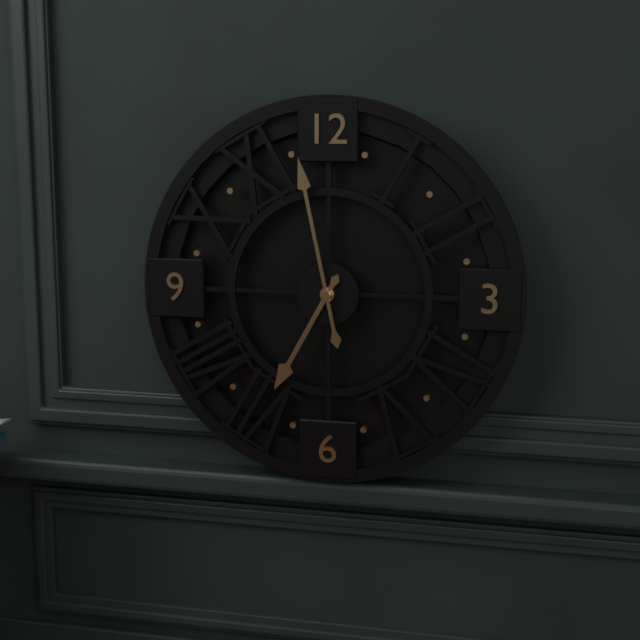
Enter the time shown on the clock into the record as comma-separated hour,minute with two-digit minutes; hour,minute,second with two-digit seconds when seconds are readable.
6,58
